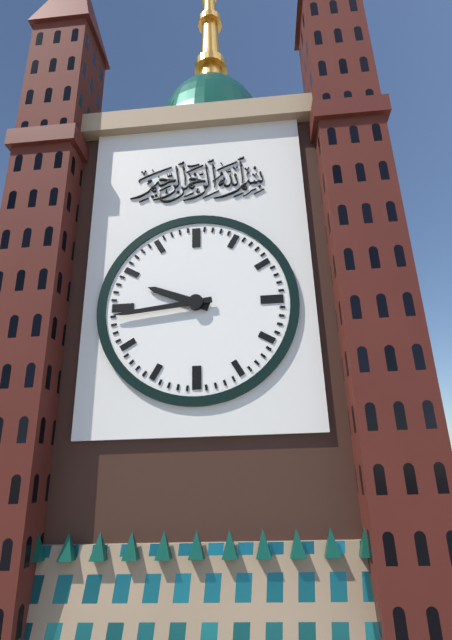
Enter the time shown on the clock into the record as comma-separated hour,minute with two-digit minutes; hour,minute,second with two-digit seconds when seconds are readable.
9,44
